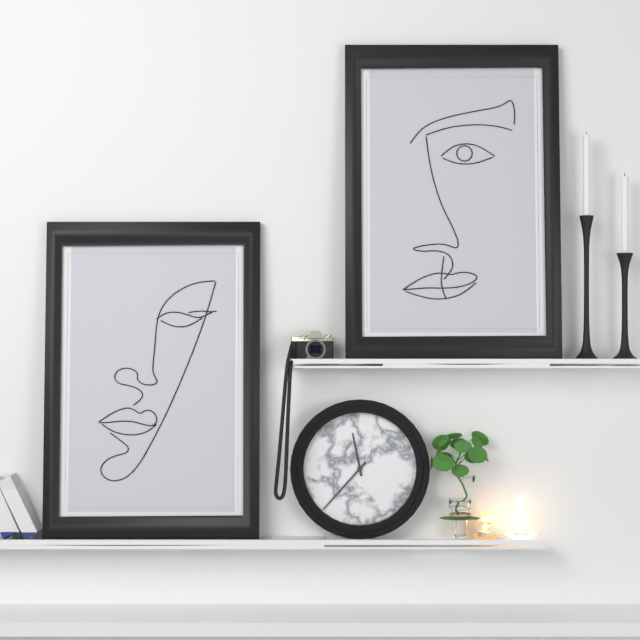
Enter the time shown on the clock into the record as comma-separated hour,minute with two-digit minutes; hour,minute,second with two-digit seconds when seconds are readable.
11,37
